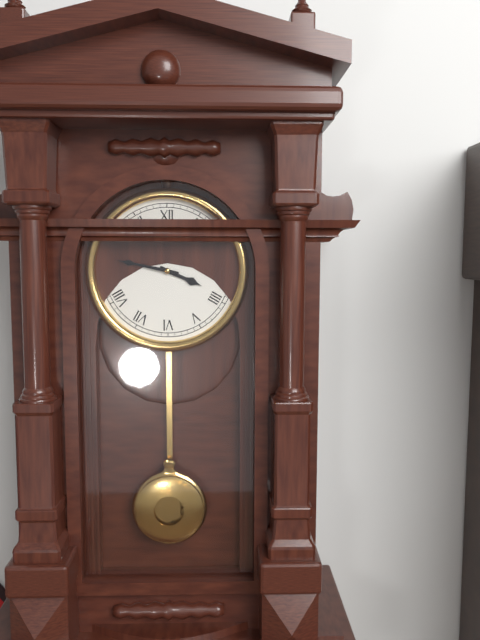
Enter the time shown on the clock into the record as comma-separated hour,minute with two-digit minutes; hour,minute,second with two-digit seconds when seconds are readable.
3,47
